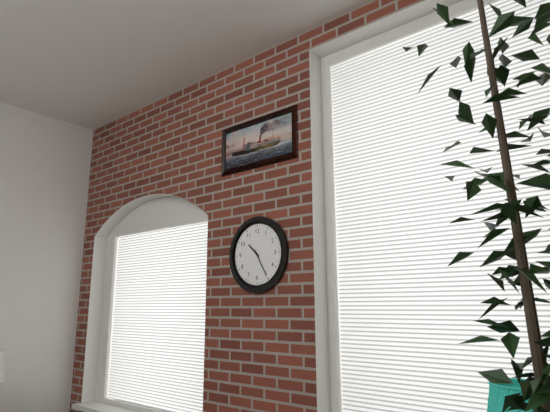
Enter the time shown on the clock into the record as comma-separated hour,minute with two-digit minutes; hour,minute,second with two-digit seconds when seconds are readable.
10,25
